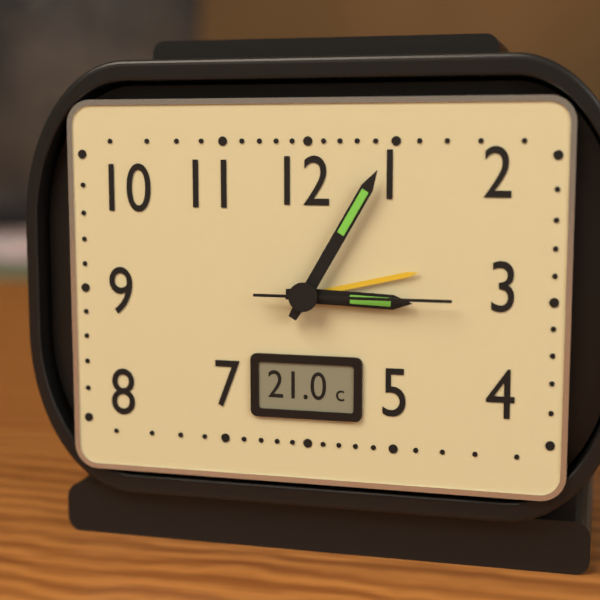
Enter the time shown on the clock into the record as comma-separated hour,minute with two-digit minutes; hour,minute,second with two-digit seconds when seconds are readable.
3,05,15
